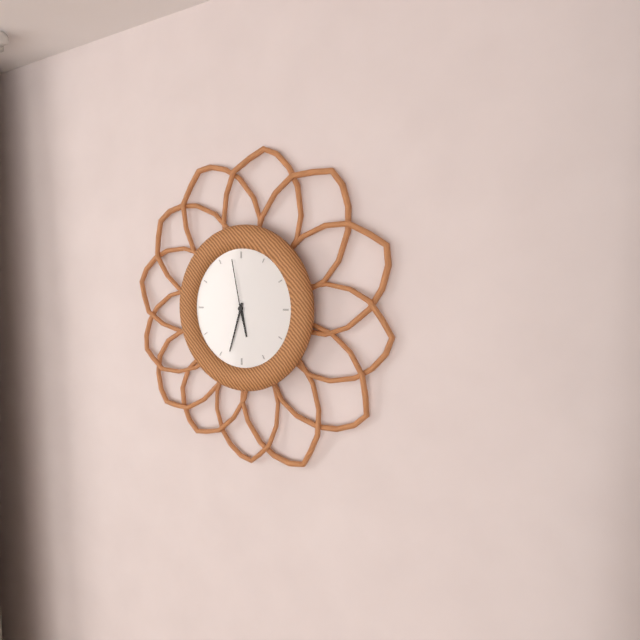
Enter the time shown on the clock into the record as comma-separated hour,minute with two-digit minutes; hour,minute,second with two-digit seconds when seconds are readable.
5,33,58
